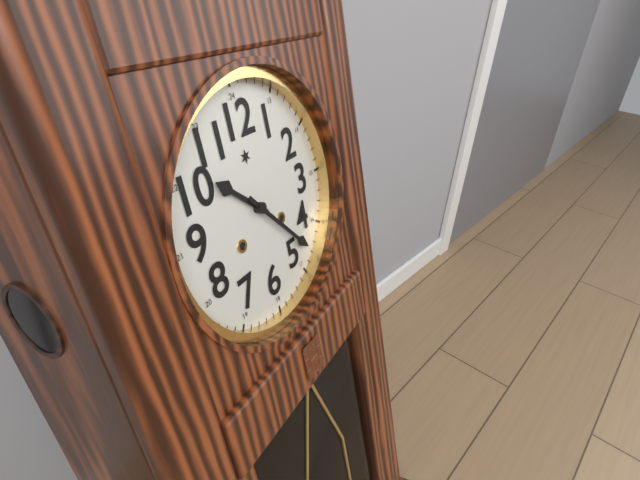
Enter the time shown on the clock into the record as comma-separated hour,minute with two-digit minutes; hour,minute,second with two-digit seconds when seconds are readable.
10,23
